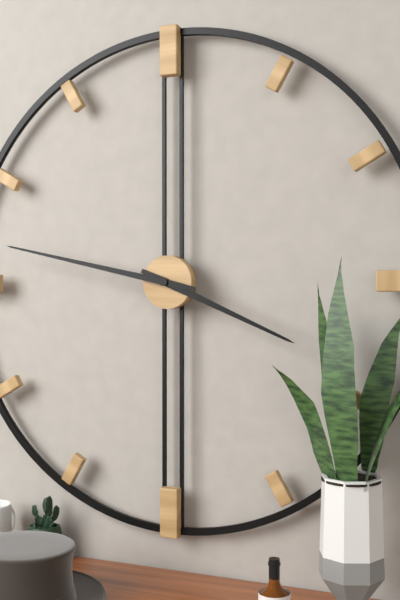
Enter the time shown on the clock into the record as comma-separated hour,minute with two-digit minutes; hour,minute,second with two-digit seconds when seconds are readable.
3,47
